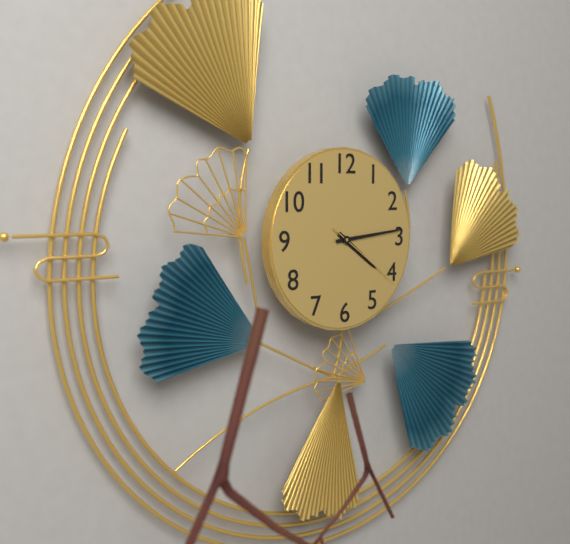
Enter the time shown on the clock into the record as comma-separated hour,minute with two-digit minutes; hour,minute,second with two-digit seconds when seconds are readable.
4,14,21
